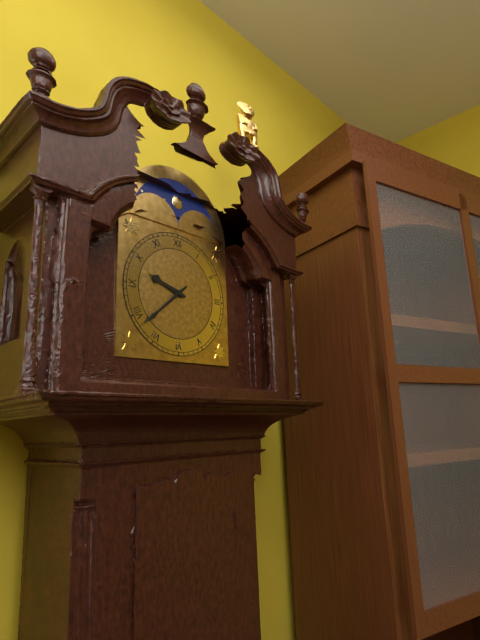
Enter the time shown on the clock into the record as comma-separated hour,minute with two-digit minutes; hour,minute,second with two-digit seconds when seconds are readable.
9,38
